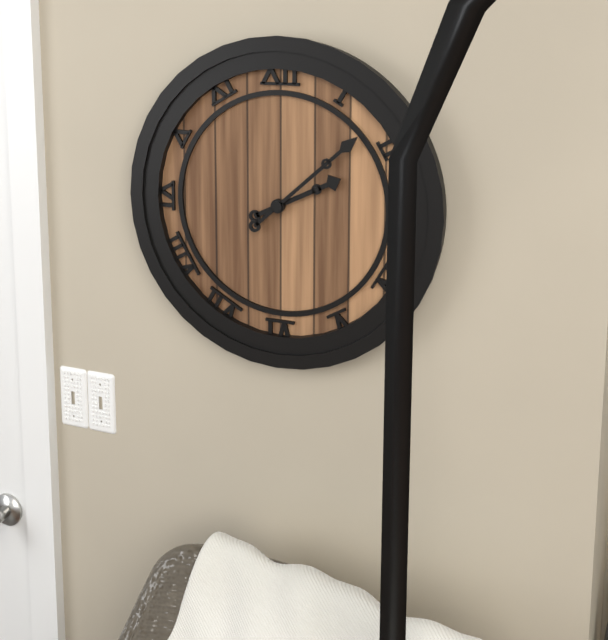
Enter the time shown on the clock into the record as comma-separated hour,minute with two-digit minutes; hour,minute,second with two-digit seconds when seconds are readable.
2,08
